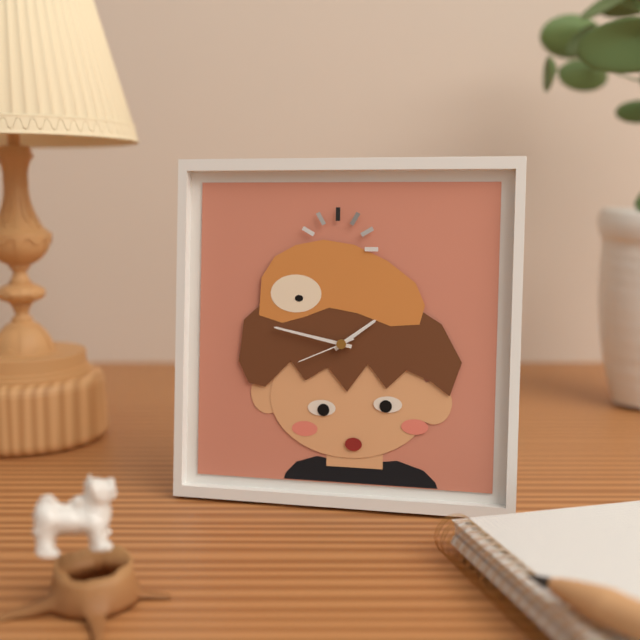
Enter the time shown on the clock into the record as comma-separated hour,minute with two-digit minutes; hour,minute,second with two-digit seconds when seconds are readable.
1,47,41
